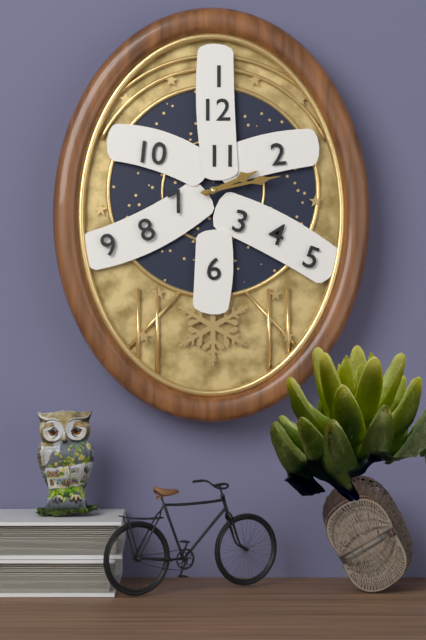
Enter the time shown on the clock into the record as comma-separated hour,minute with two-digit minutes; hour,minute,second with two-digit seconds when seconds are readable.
2,13
